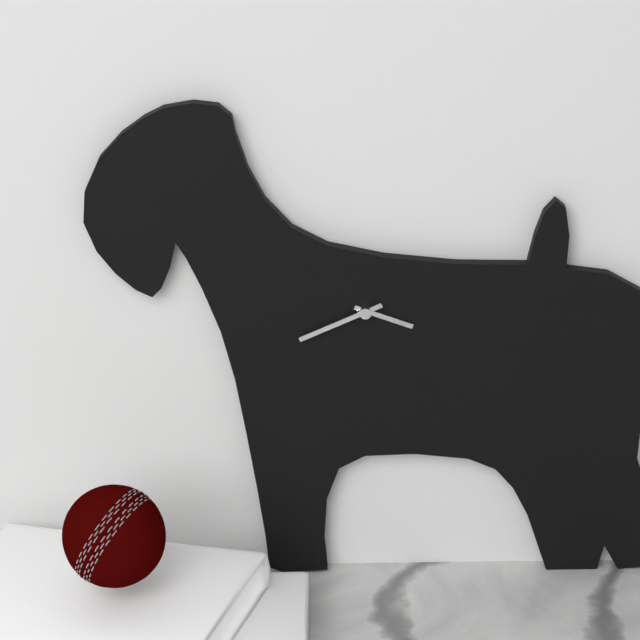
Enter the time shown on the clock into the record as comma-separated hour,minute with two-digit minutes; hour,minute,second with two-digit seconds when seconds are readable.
3,41
